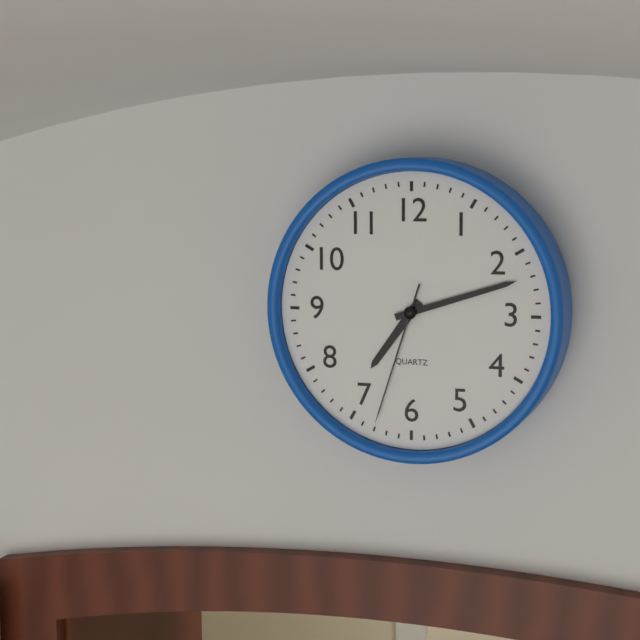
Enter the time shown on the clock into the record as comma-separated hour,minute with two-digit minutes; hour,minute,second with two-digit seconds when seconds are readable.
7,12,33
